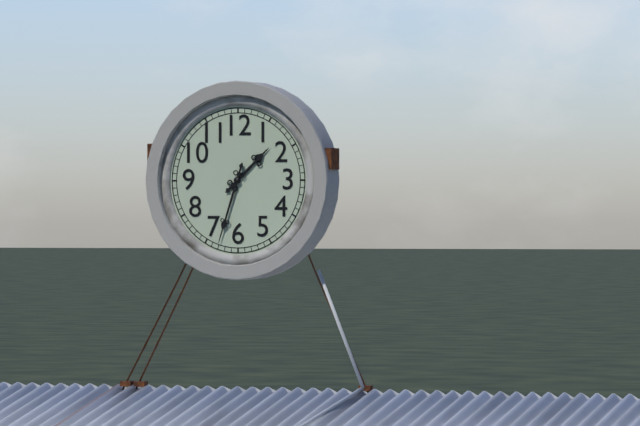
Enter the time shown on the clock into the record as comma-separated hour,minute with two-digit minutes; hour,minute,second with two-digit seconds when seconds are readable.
1,33
